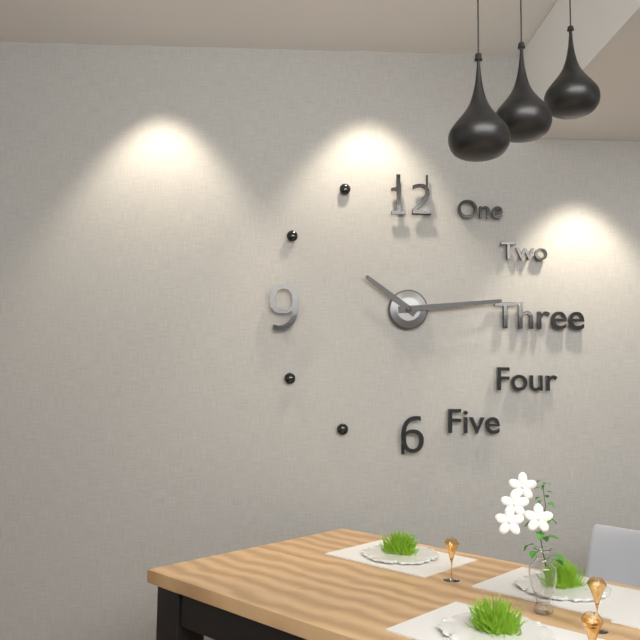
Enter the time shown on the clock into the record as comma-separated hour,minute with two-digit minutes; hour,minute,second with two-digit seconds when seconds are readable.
10,14
